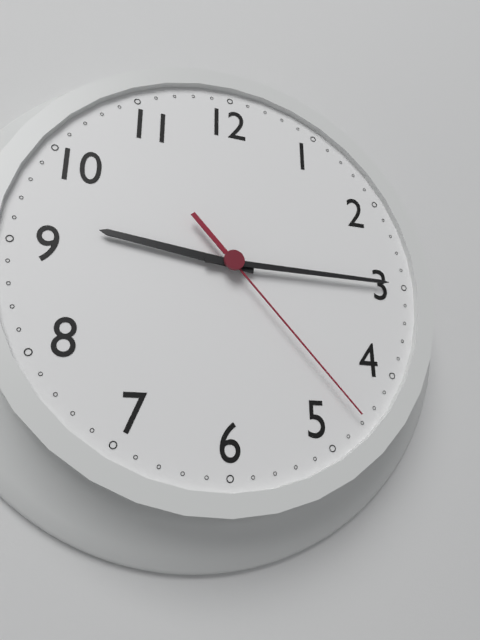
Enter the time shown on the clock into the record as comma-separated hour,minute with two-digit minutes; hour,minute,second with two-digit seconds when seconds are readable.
9,15,23
